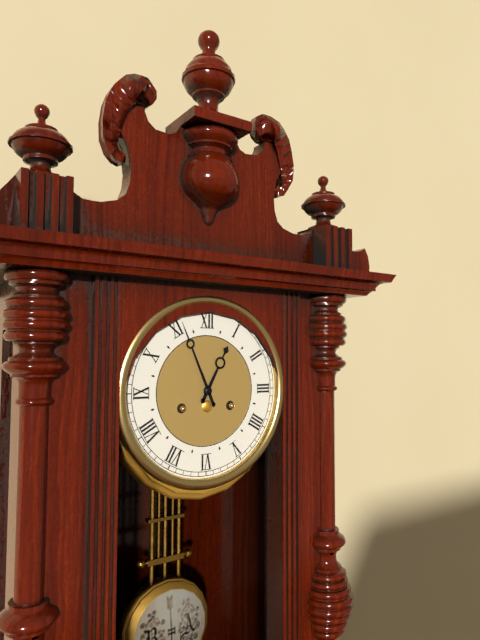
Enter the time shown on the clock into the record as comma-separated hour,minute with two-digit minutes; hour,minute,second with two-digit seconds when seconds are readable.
12,56
